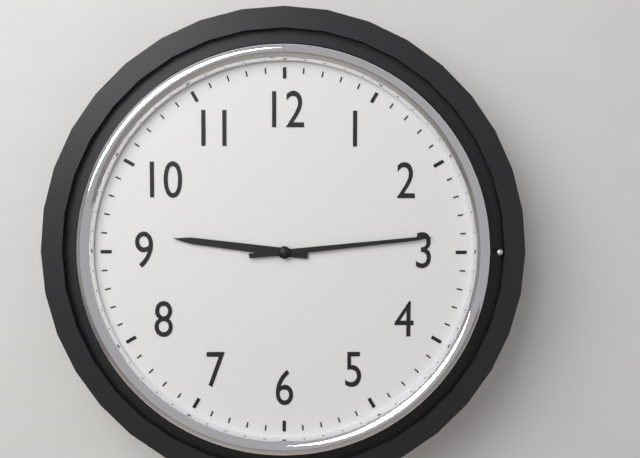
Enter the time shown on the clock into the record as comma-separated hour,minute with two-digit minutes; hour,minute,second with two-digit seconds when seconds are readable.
9,14
